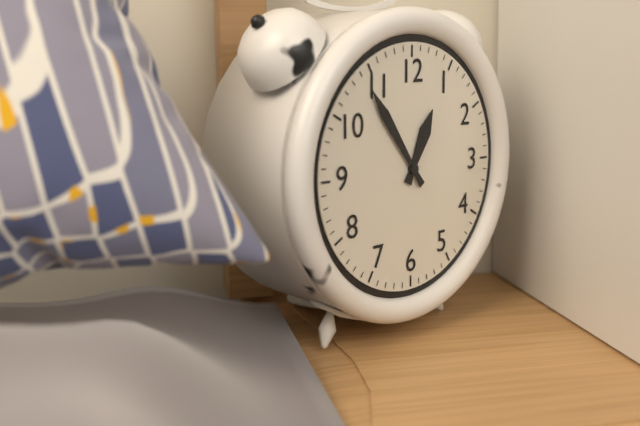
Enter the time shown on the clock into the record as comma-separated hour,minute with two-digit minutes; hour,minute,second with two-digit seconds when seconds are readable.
12,54
